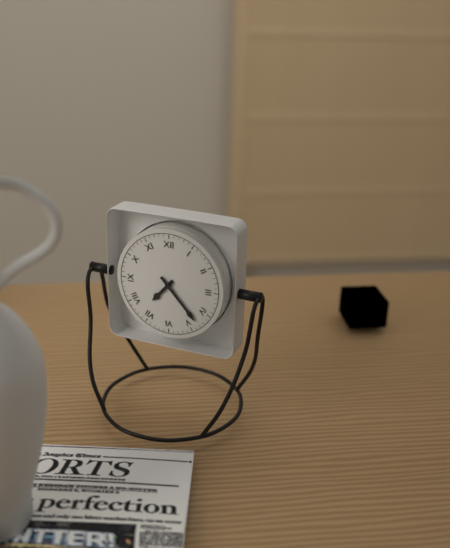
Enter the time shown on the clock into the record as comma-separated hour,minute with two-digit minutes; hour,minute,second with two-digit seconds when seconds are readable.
7,23
